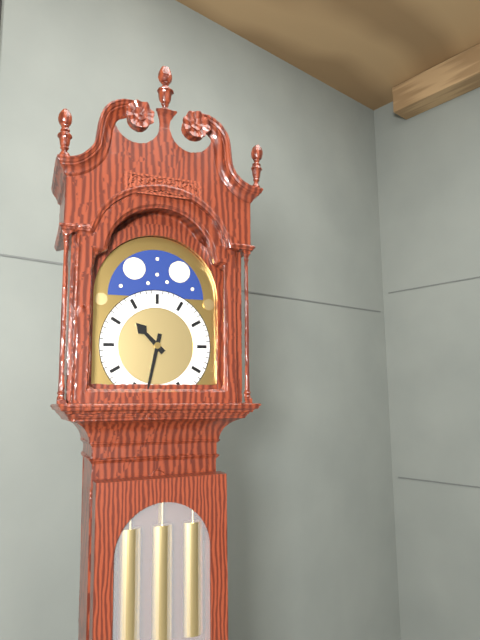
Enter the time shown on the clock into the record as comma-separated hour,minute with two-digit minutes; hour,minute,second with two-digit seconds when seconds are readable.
10,32
